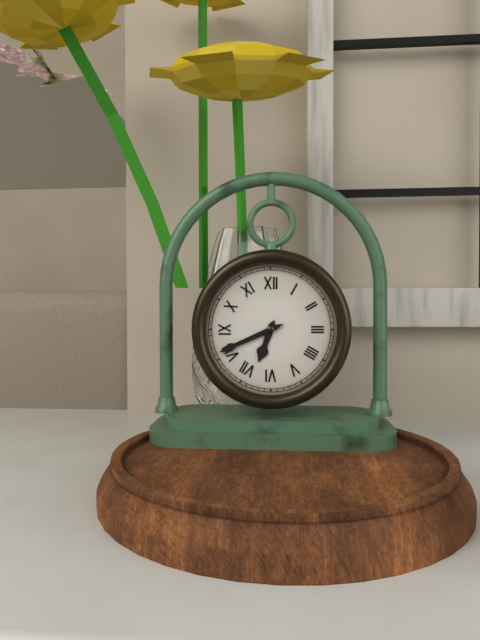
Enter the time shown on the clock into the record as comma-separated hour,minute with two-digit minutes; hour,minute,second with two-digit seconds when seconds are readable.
6,41
